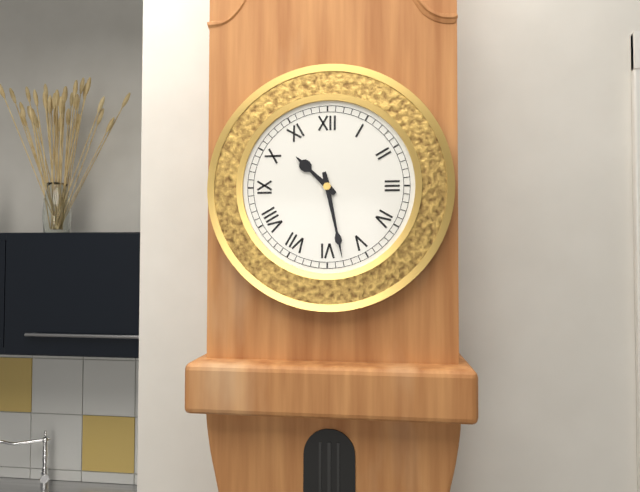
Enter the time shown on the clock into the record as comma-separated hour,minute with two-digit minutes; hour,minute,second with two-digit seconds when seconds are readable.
10,28
